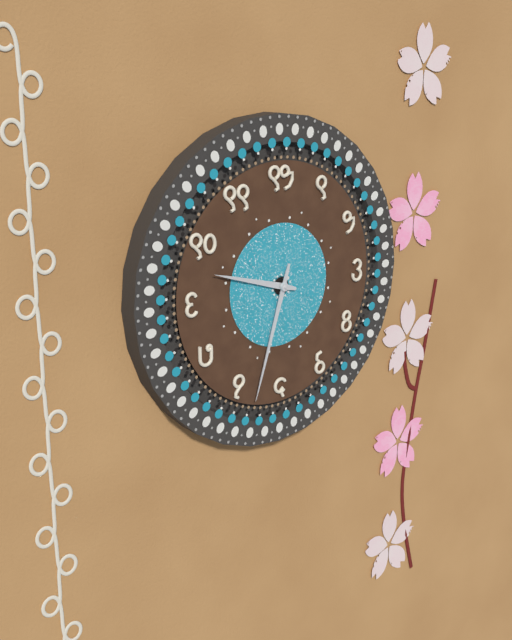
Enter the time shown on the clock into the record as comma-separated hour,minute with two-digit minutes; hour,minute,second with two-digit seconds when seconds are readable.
9,33
